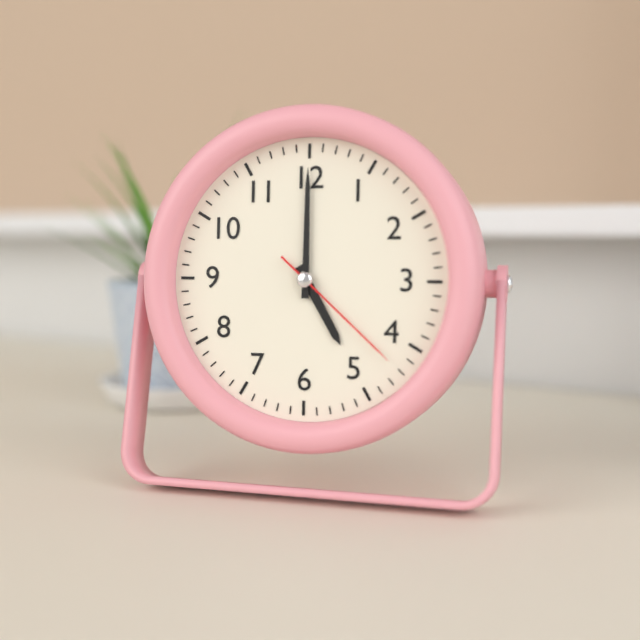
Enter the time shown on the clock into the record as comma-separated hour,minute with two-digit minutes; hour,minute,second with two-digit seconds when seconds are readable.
5,00,22
